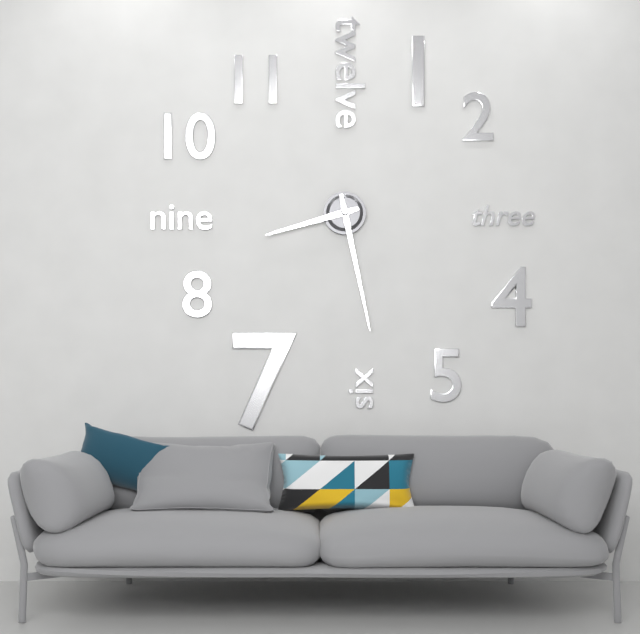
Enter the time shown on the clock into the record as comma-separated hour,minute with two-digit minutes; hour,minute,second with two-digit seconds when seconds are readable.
8,28
